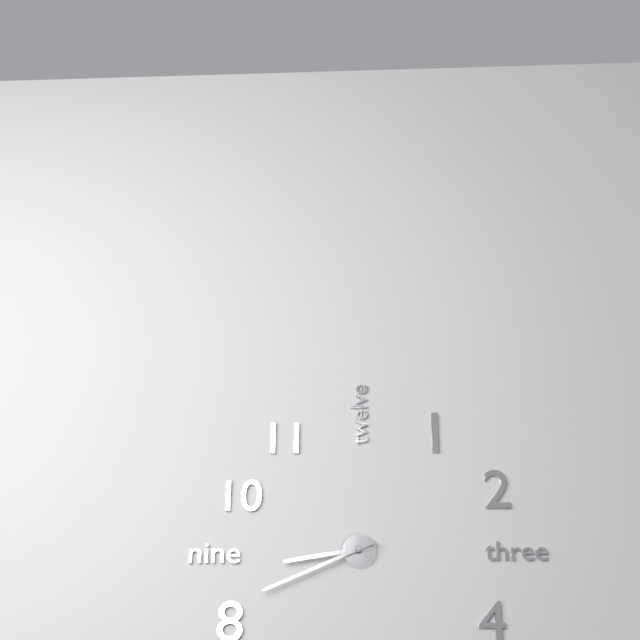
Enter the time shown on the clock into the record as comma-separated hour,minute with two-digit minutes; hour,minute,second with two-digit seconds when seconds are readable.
8,41
